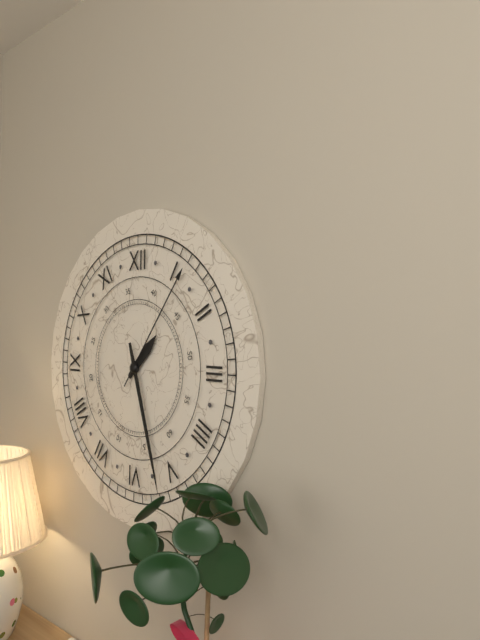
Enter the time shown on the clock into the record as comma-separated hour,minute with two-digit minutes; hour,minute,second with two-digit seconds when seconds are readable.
1,27,06
